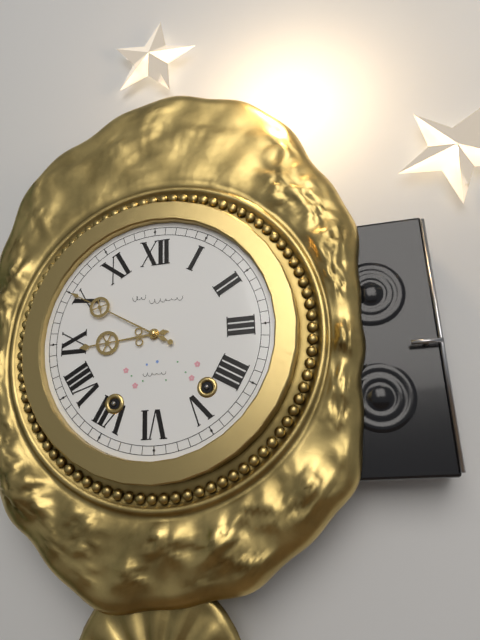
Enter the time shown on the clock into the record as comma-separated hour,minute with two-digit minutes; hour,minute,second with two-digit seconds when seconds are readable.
8,50
